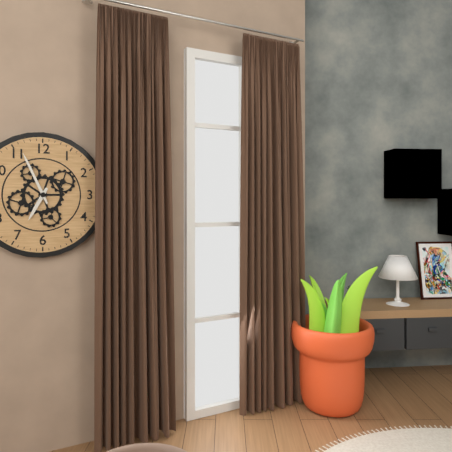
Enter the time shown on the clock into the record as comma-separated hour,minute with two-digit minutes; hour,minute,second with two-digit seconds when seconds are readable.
6,56
